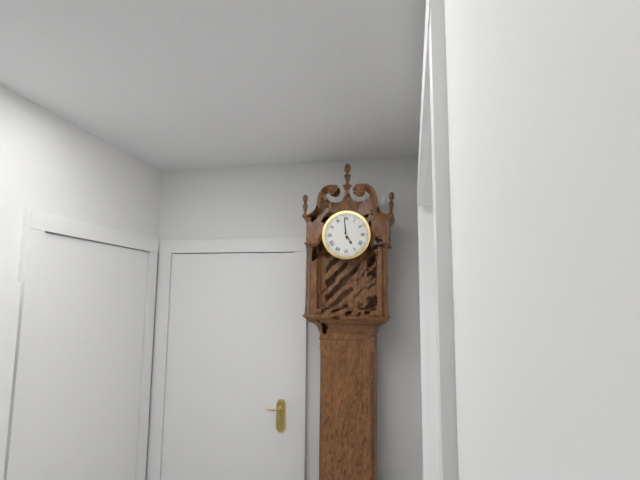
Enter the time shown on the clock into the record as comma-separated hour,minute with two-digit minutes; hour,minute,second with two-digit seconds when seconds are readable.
4,59
